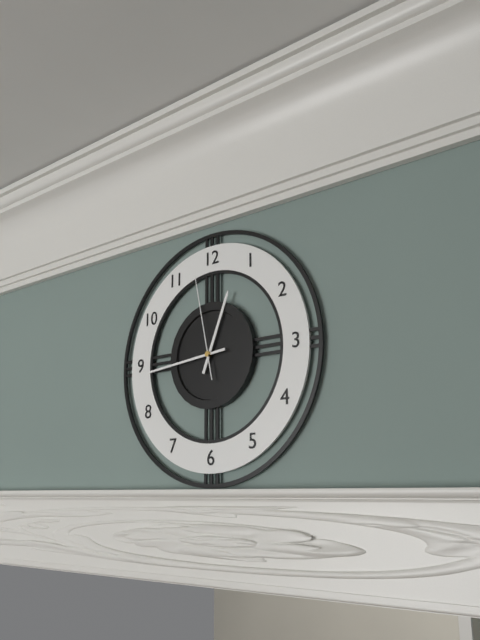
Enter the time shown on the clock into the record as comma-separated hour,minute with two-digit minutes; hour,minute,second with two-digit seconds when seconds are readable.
12,44,58
